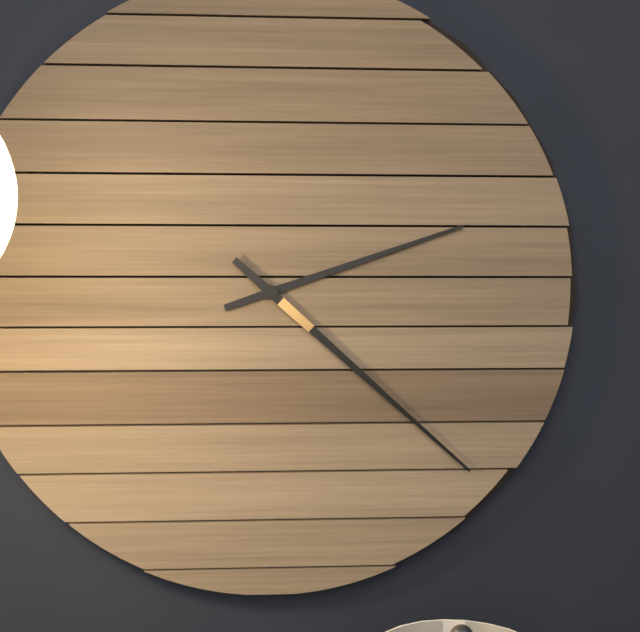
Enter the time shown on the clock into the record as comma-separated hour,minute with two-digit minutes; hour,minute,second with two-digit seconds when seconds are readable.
2,22
